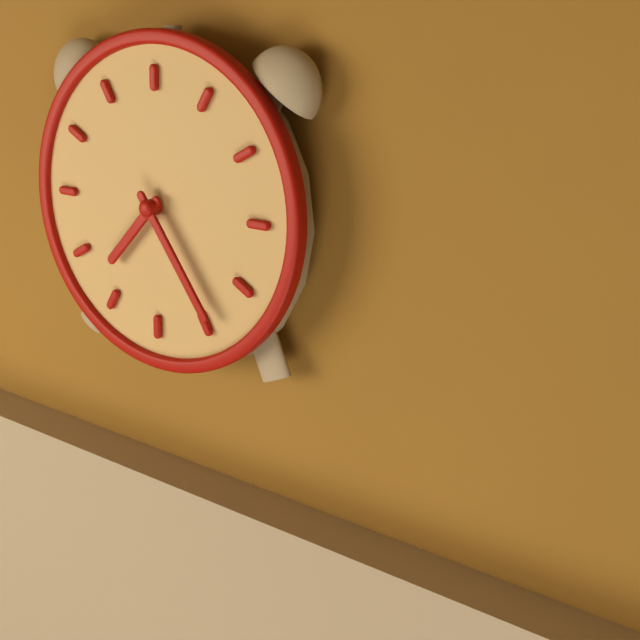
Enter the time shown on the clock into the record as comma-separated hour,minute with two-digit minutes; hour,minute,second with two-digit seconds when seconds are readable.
7,24
